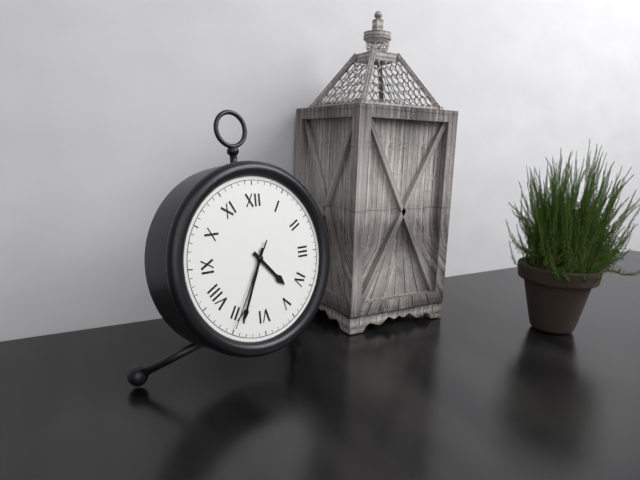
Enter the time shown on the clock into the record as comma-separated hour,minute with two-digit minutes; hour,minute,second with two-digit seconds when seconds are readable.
4,34,35
